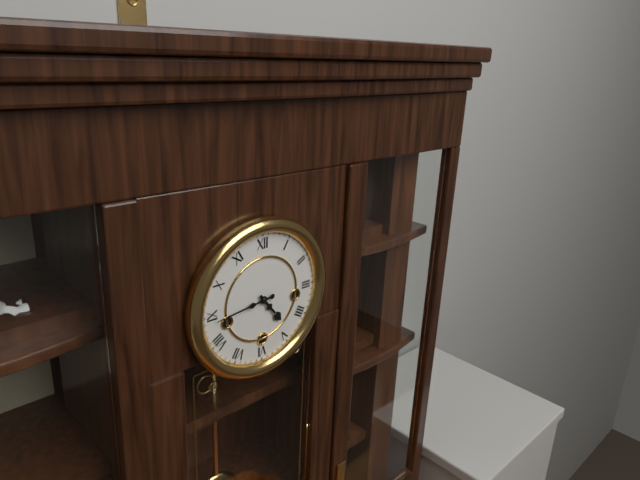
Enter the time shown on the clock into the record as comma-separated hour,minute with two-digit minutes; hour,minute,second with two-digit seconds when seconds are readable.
4,44
